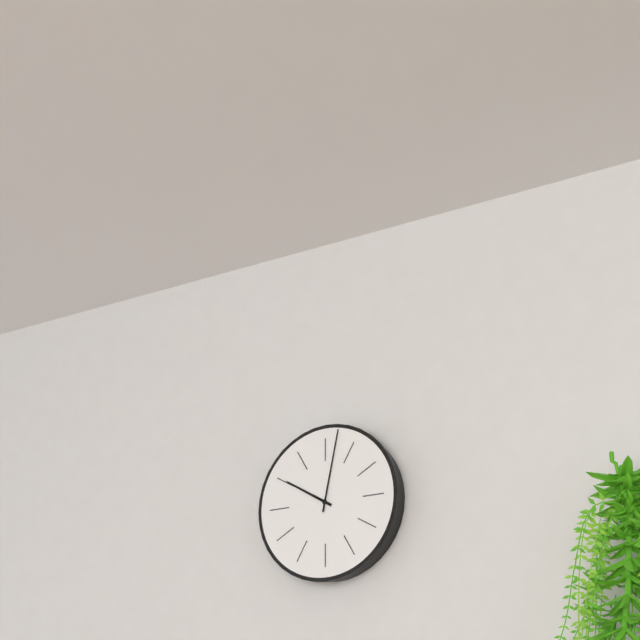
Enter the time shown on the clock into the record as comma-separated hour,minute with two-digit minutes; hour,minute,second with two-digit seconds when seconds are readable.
10,02
